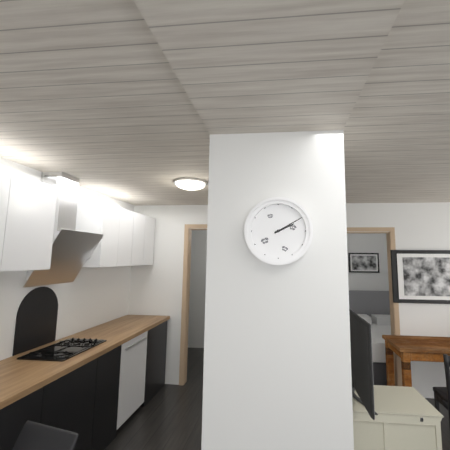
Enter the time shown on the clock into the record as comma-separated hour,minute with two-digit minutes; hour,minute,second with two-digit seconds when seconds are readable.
2,10
